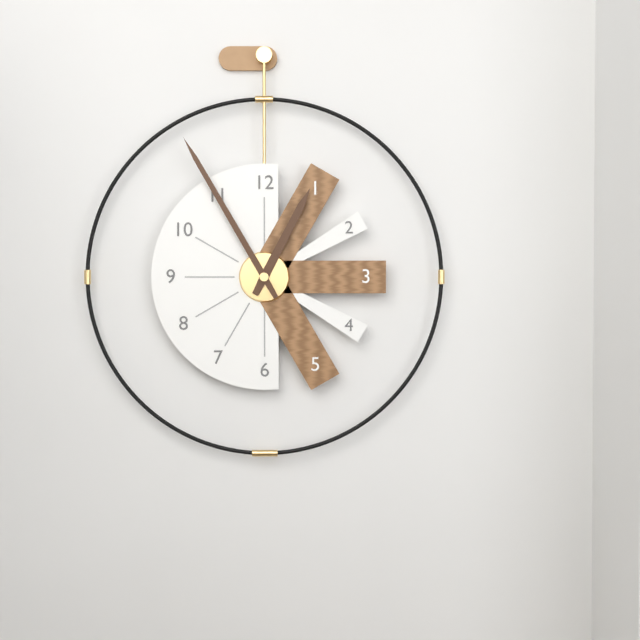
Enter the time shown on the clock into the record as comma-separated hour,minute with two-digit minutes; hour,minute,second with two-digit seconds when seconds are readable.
12,55
